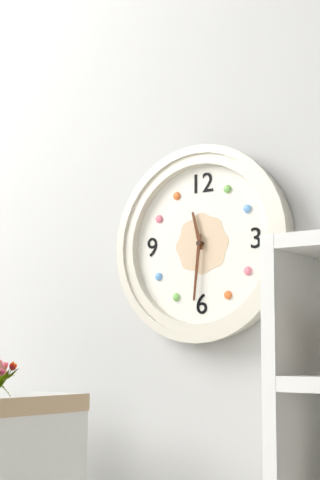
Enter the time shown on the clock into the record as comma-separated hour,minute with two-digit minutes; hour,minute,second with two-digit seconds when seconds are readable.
11,31
